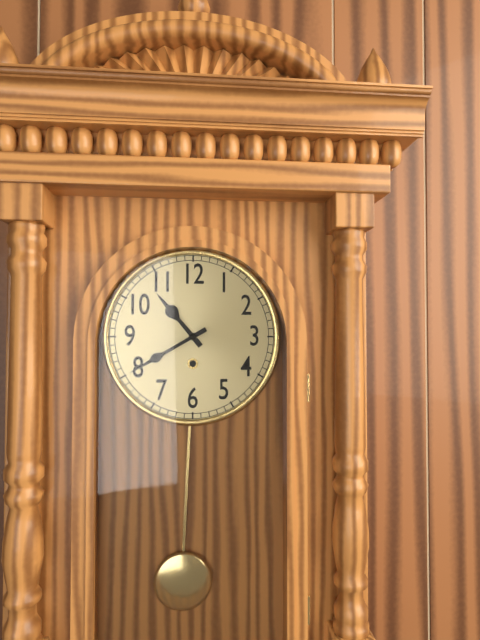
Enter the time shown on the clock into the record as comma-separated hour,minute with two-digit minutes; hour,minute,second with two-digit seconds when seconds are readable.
10,40
